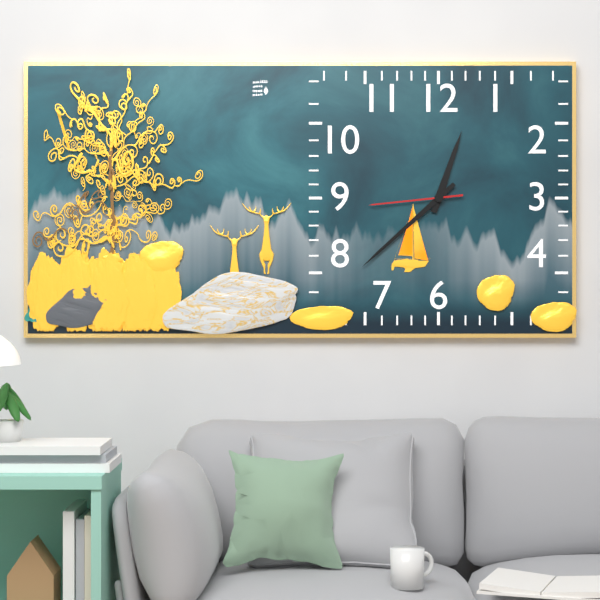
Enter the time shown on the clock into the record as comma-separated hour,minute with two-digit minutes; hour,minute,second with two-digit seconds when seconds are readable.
12,38,44
